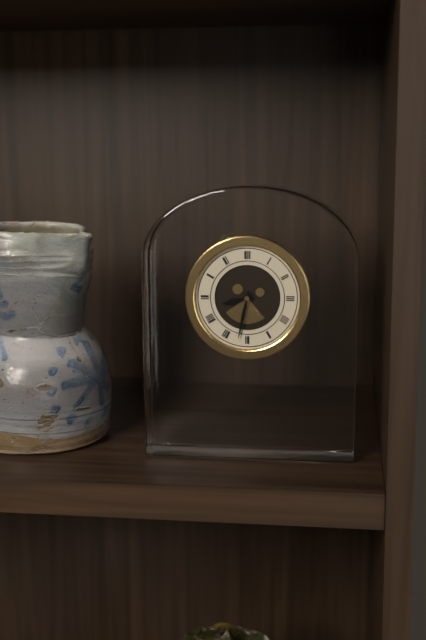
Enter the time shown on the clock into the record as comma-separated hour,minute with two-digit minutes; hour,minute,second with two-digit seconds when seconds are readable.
8,32
